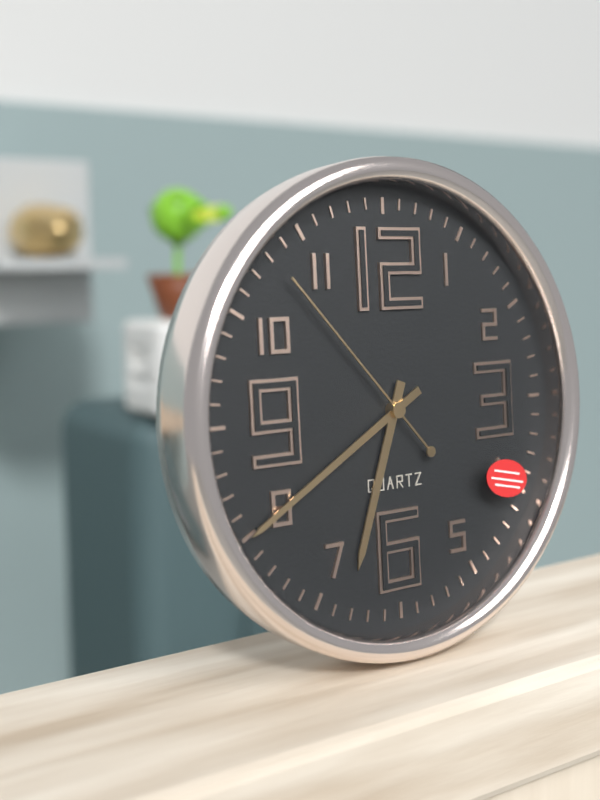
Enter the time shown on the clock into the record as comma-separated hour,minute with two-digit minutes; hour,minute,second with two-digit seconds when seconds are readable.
6,40,53
